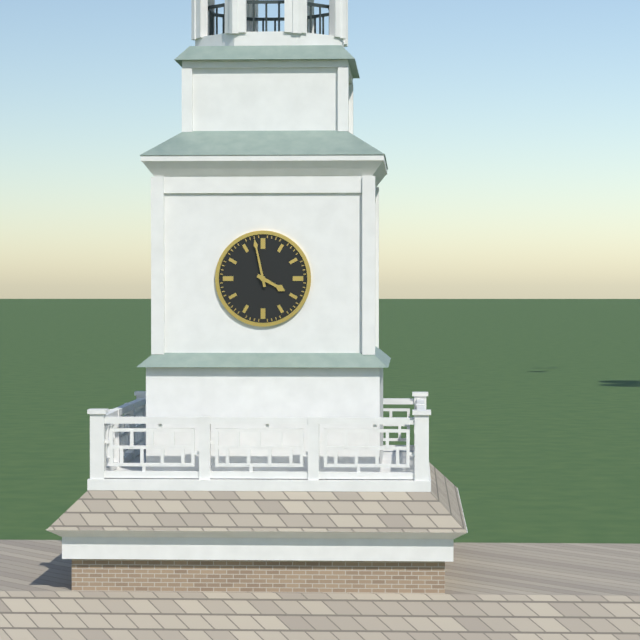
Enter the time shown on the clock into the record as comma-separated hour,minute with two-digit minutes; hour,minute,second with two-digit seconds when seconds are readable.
3,58
